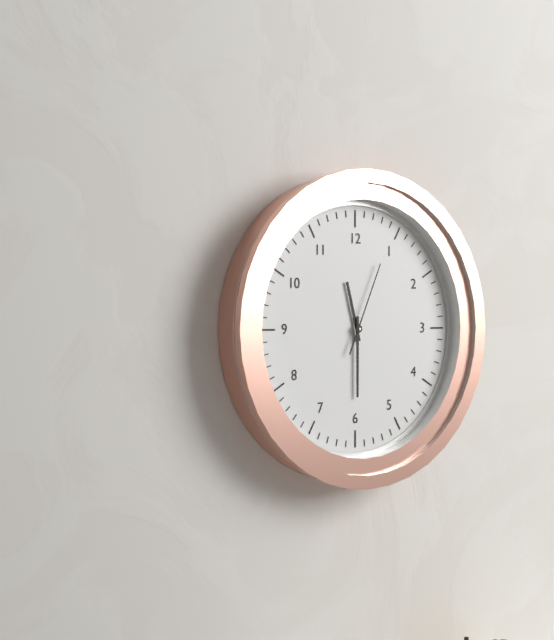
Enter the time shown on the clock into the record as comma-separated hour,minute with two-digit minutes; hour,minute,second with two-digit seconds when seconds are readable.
11,30,04
